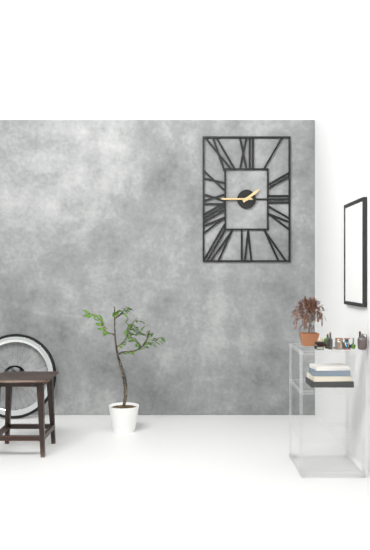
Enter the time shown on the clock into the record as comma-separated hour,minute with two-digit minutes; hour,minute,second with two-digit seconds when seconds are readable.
1,45
